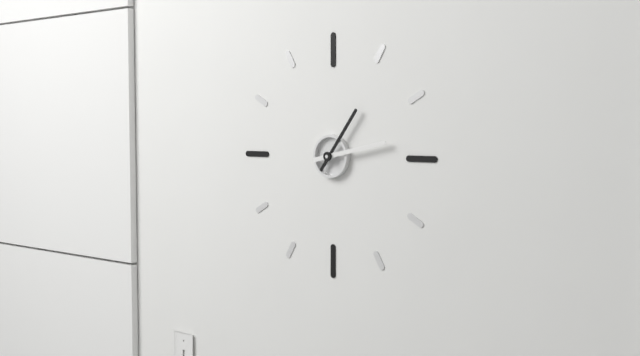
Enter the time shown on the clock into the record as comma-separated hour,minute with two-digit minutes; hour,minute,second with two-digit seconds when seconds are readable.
1,13
